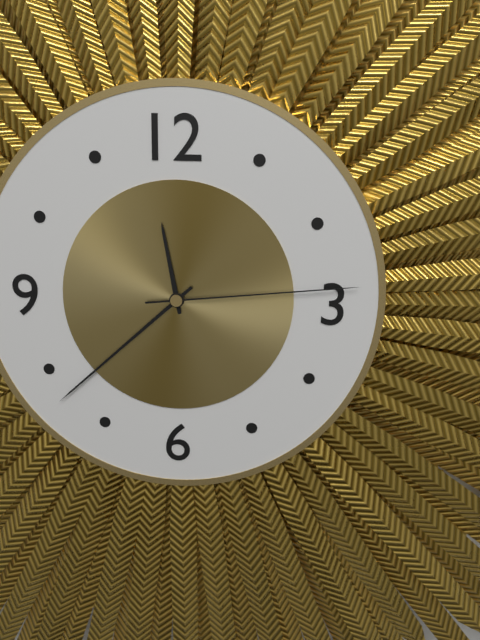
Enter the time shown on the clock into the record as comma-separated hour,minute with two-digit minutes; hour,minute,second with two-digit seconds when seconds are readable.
11,38,14
